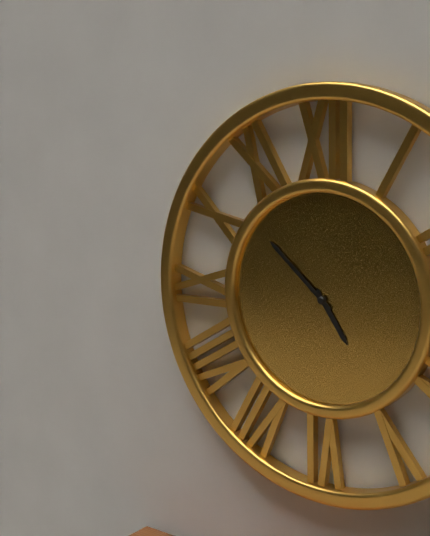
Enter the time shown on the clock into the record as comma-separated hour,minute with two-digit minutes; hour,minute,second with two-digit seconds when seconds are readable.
4,52
